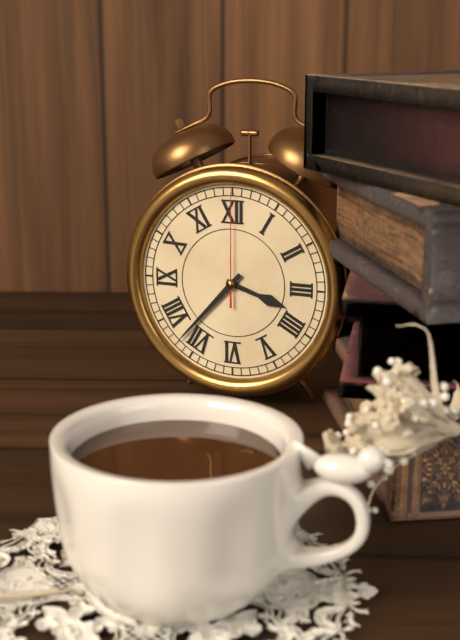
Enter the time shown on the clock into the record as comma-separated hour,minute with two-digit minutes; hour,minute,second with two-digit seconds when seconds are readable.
3,37,00
